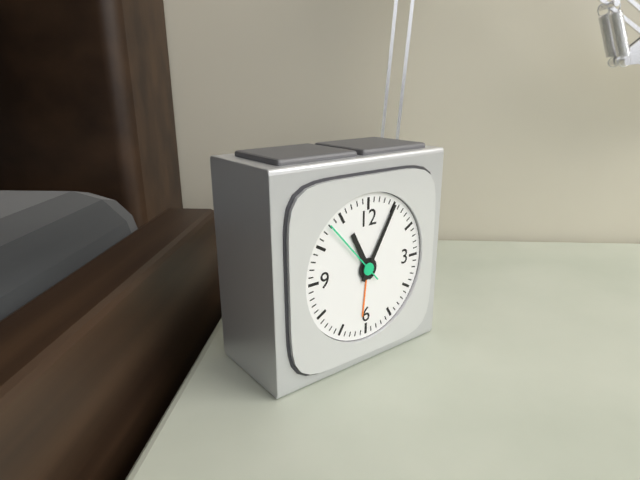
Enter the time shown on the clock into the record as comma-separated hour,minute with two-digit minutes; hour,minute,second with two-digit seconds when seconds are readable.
11,05
